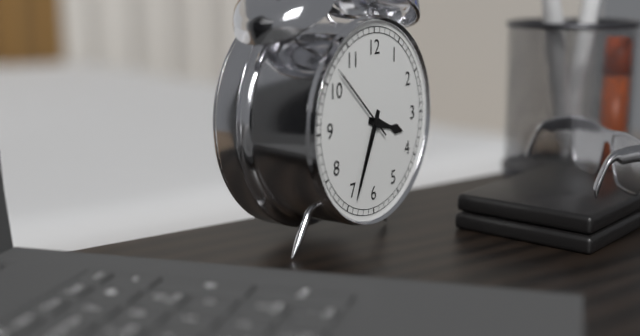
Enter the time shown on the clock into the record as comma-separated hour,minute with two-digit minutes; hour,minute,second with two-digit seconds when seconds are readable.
3,34,52
